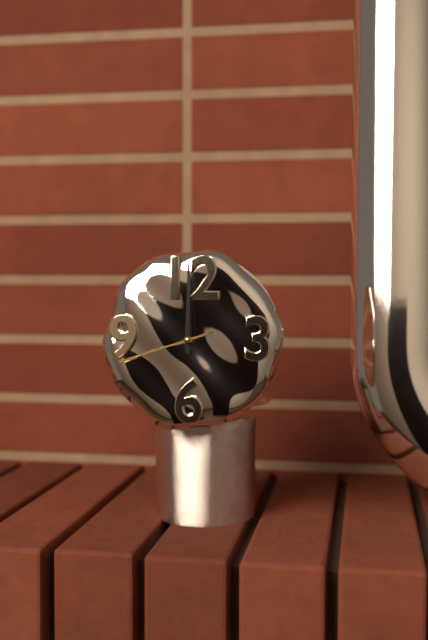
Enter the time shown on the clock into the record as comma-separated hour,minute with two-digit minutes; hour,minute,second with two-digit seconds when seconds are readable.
12,00,42
